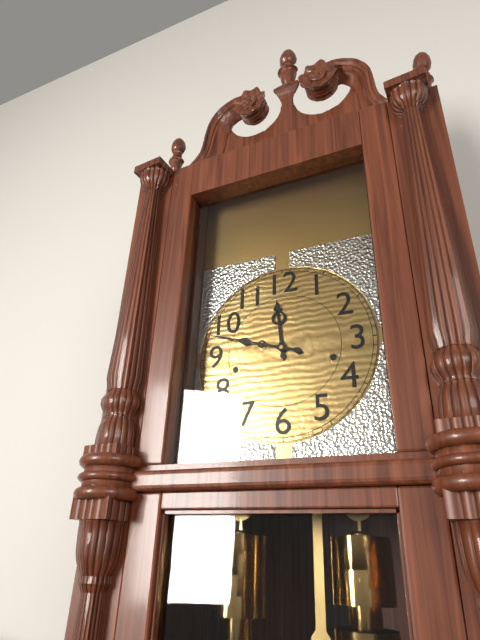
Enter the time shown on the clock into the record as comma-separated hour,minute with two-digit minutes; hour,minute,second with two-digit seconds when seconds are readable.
11,48
